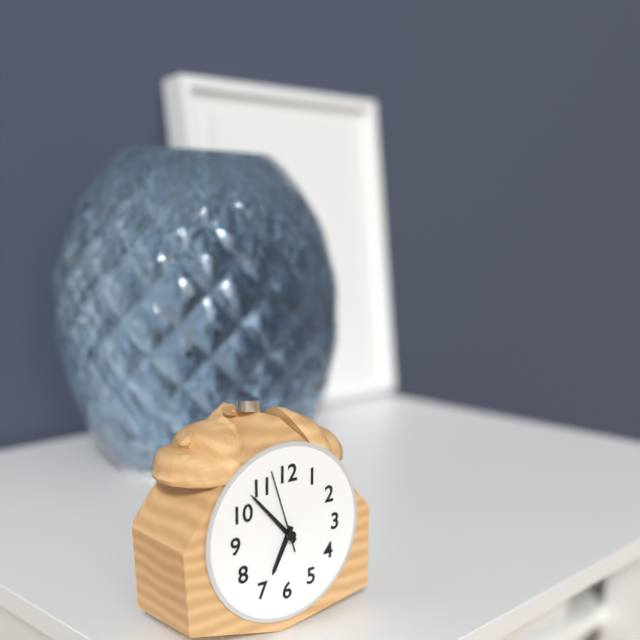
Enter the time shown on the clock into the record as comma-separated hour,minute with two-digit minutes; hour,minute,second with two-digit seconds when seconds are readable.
6,53,57
